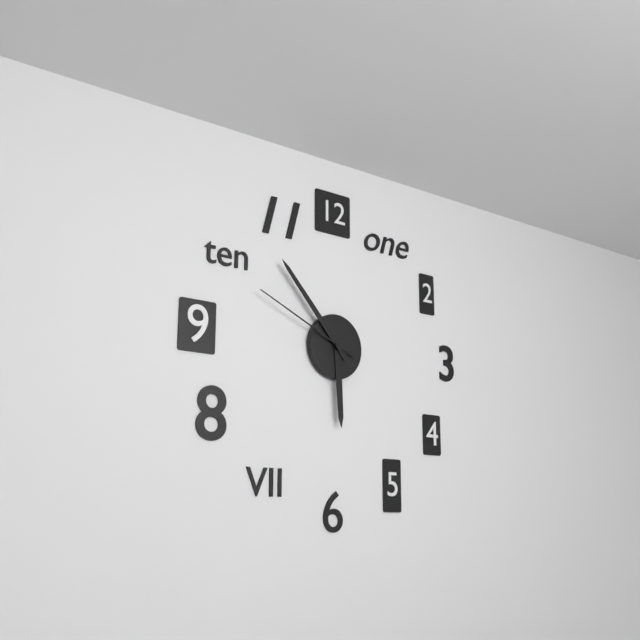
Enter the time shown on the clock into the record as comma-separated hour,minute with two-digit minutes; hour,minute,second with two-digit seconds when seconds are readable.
5,53,49
